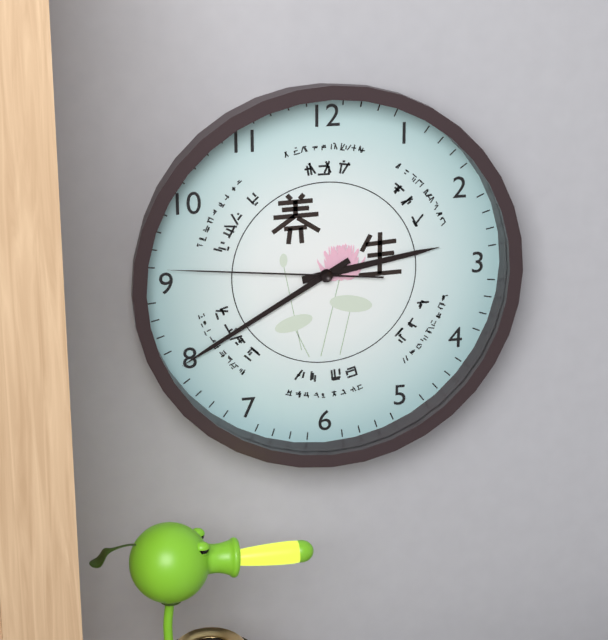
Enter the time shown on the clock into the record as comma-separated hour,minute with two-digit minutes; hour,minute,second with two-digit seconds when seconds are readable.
2,40,46
